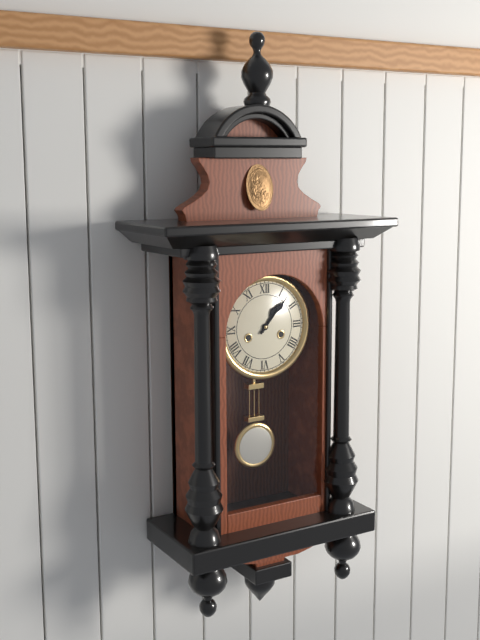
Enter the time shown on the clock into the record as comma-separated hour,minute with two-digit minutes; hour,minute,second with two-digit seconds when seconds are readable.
1,07
